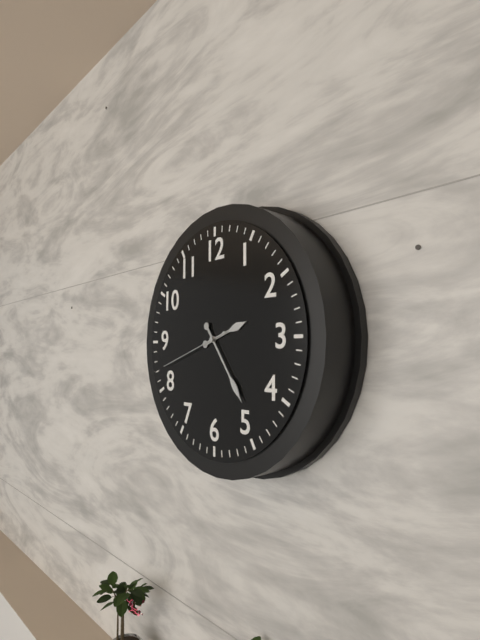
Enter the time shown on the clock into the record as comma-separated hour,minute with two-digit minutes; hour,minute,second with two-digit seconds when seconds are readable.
2,24,42
